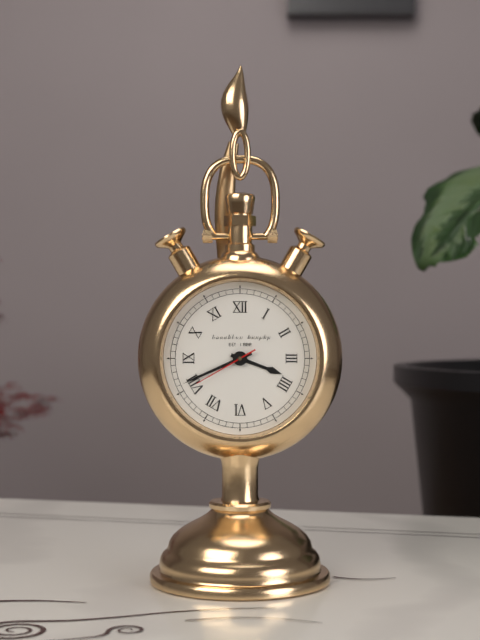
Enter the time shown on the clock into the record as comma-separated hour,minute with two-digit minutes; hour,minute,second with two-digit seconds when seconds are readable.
3,41,40
